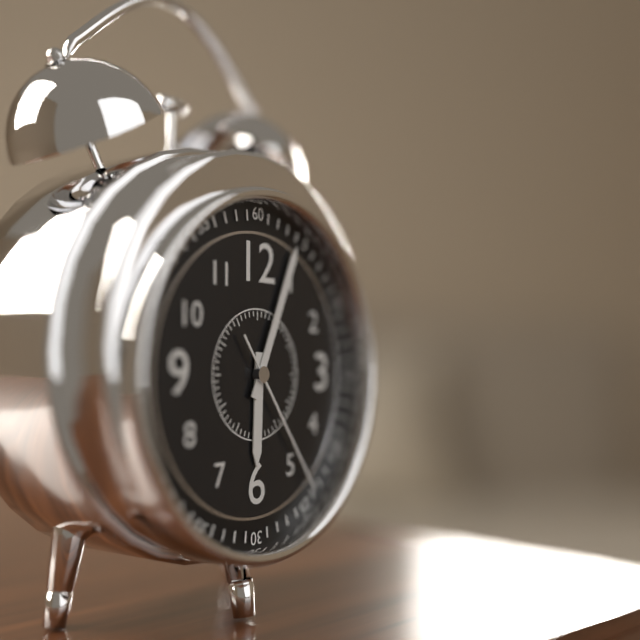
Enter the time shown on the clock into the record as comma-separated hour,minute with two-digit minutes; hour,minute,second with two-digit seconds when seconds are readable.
6,04,24
